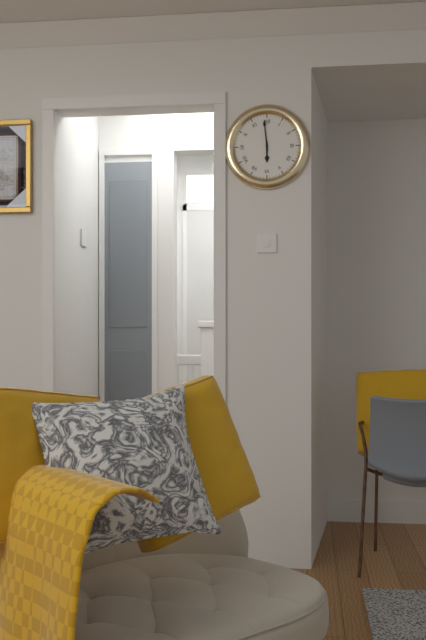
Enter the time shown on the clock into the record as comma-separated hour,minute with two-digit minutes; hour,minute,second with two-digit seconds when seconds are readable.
5,59
